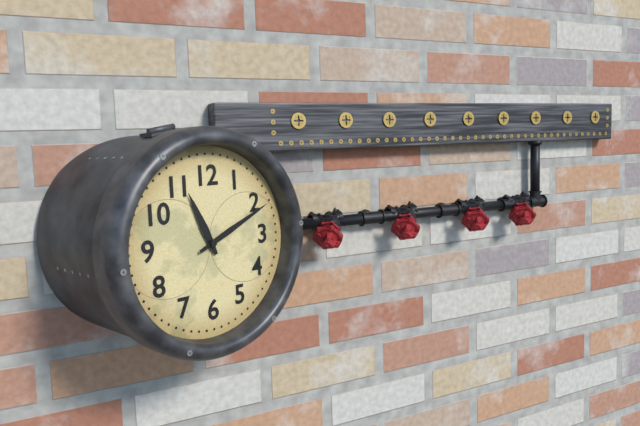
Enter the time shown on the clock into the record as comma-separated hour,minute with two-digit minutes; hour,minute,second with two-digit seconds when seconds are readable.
11,11
